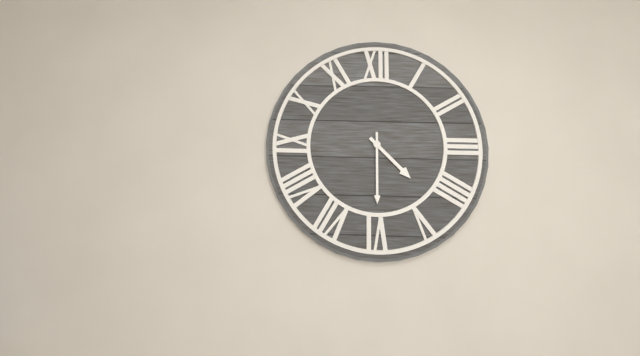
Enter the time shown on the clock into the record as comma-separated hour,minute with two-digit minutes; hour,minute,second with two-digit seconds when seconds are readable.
4,30
